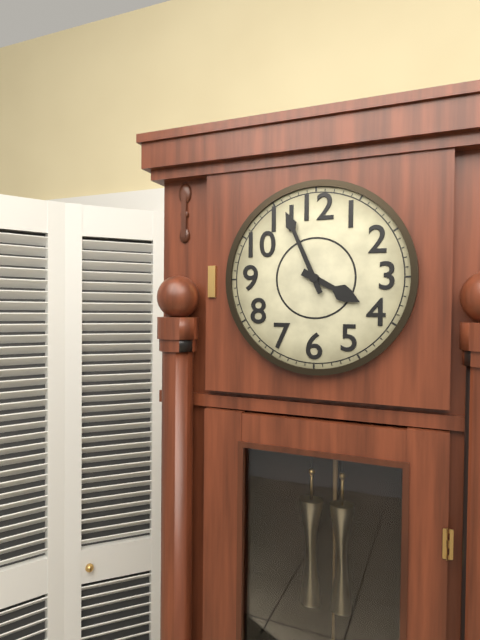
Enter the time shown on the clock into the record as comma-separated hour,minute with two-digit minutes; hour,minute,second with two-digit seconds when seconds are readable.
3,56
